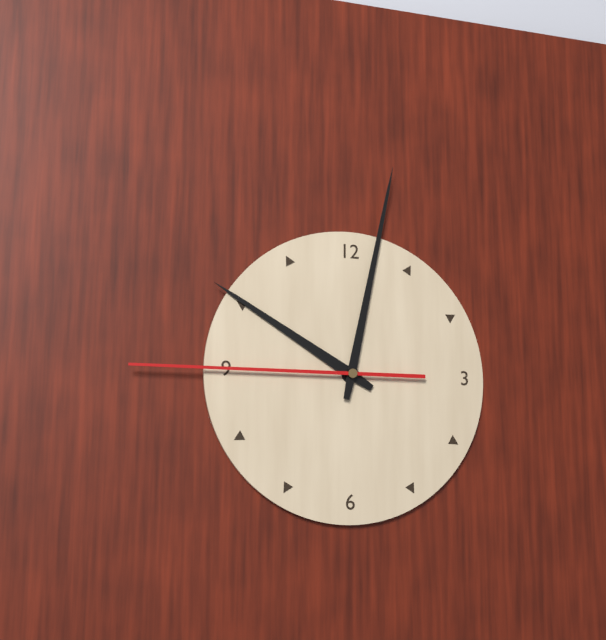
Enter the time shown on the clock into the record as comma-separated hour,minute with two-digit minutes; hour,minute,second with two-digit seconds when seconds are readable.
10,02,45
